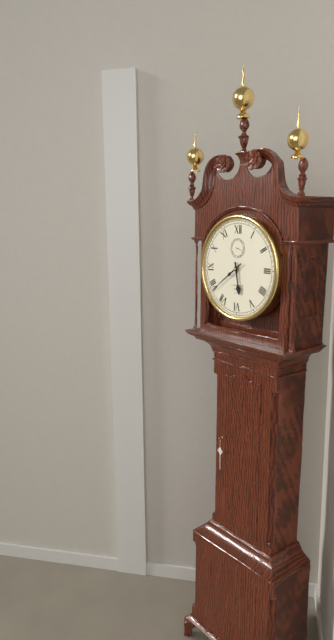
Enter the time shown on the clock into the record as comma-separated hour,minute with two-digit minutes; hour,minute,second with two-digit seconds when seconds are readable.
5,39
